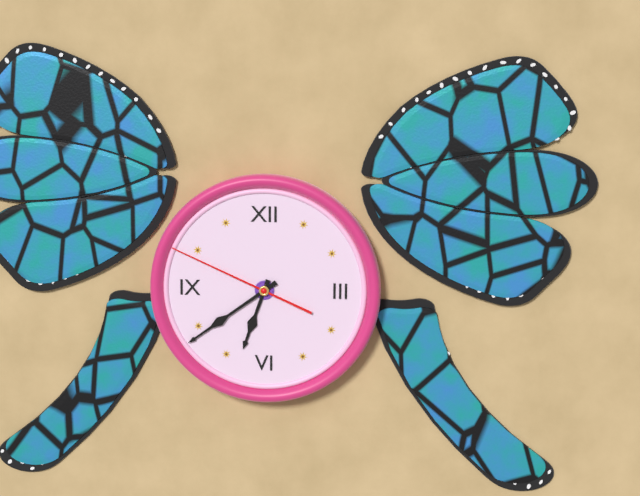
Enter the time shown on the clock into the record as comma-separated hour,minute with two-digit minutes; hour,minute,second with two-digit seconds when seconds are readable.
6,39,49
